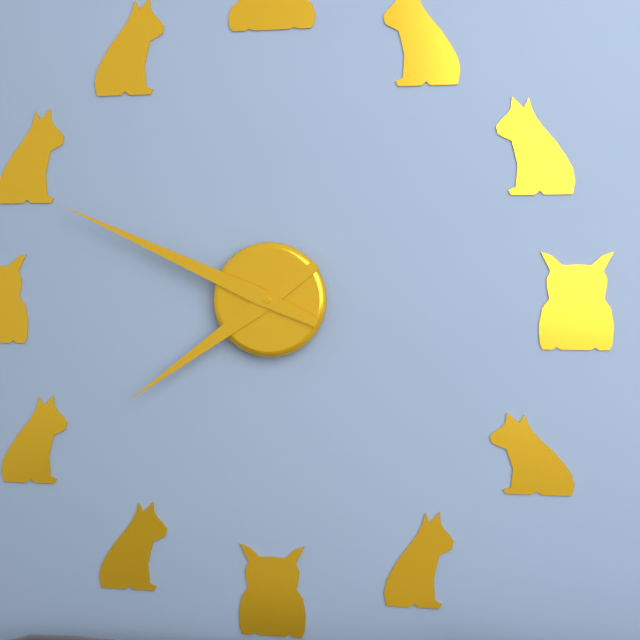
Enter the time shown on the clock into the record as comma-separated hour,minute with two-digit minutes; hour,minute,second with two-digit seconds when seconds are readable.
7,49
